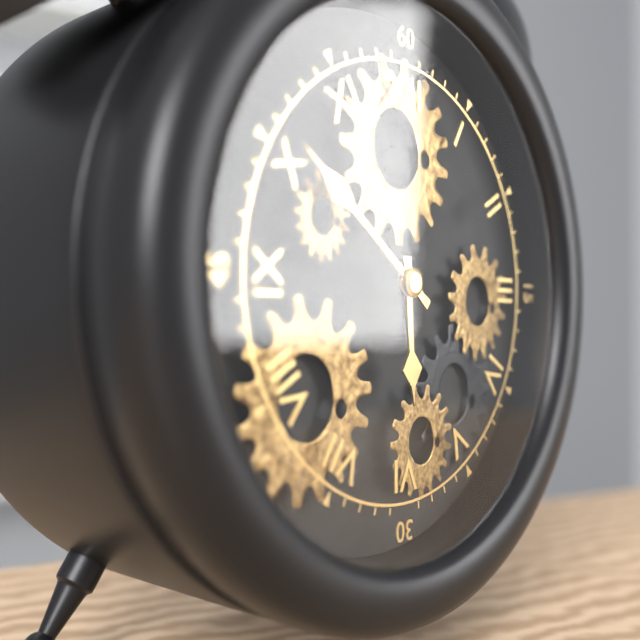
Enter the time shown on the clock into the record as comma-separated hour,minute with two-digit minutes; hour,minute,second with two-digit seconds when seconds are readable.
5,51
